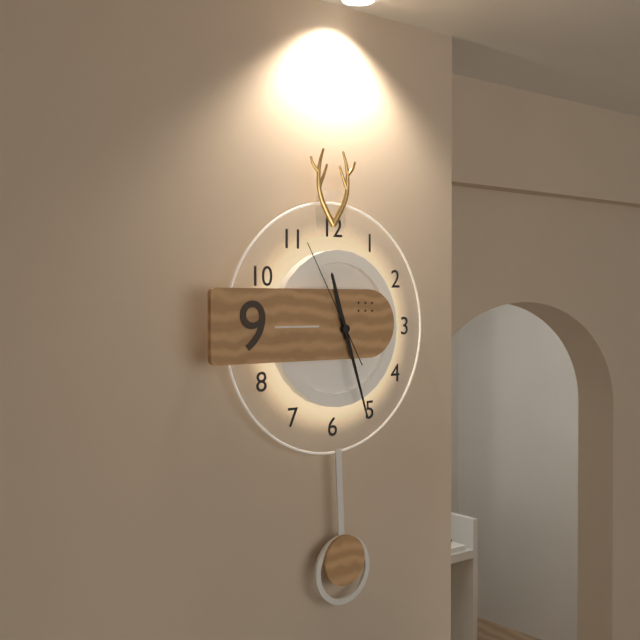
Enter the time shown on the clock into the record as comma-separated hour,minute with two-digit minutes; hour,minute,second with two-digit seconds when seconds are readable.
11,27,55
